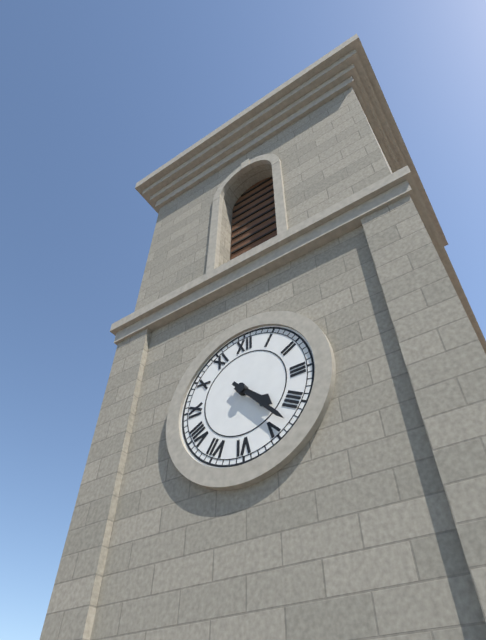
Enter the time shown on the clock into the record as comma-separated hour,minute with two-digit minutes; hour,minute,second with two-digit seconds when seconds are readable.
4,23
